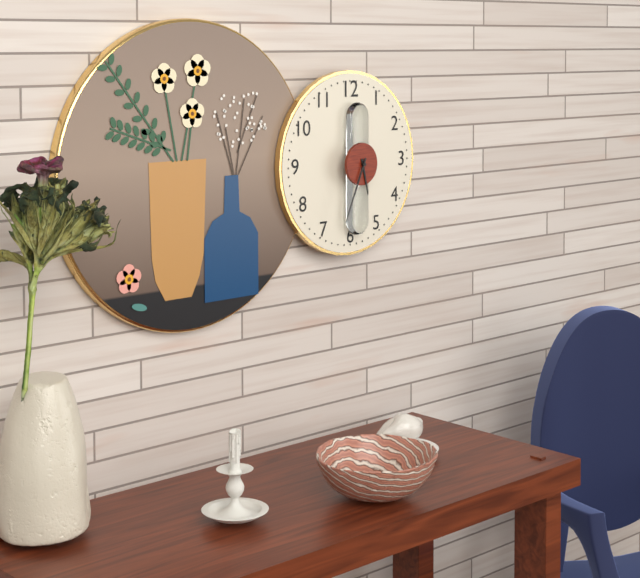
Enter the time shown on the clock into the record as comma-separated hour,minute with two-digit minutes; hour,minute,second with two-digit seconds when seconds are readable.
5,34
